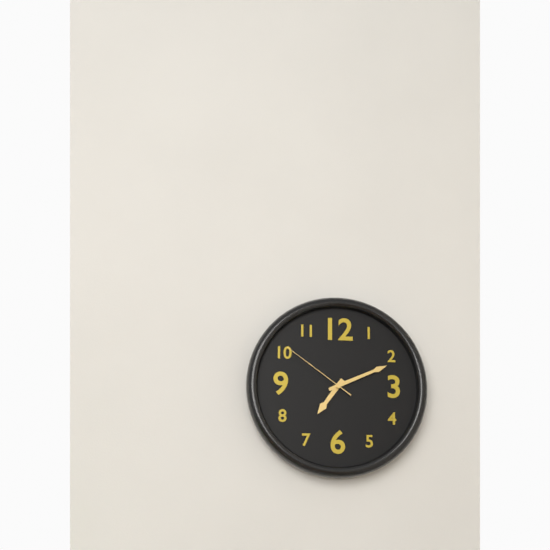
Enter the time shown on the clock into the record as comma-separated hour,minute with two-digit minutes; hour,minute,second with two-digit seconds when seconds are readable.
7,11,51
